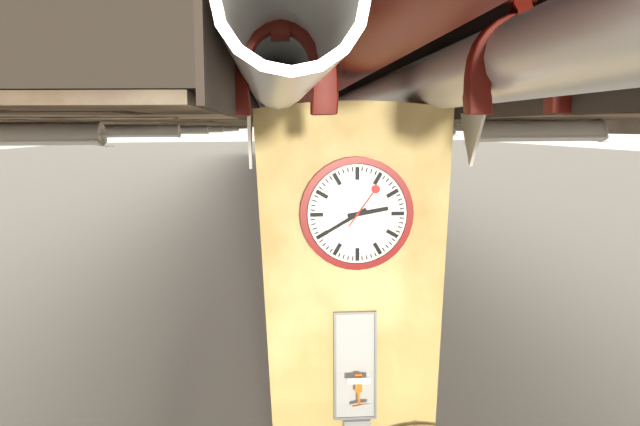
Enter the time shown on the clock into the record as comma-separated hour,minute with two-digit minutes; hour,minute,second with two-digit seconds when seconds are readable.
2,40
